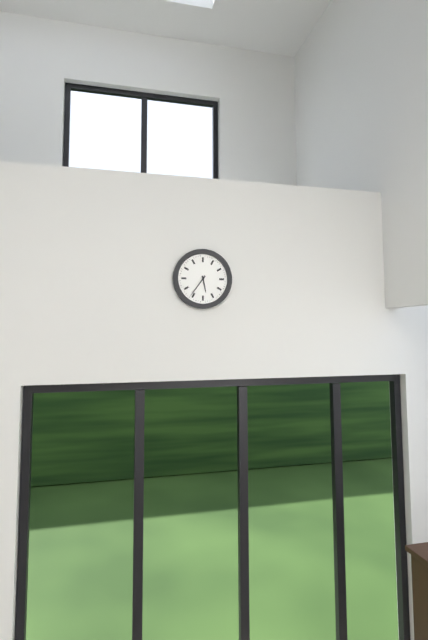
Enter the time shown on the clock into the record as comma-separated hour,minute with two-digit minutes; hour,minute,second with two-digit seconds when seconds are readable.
5,36
